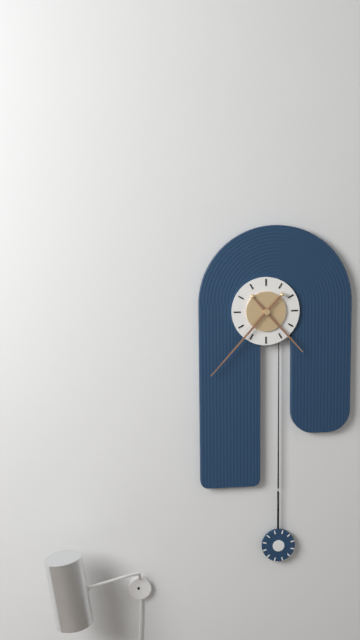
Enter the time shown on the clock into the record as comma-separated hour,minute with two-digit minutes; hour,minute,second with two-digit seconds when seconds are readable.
4,37
